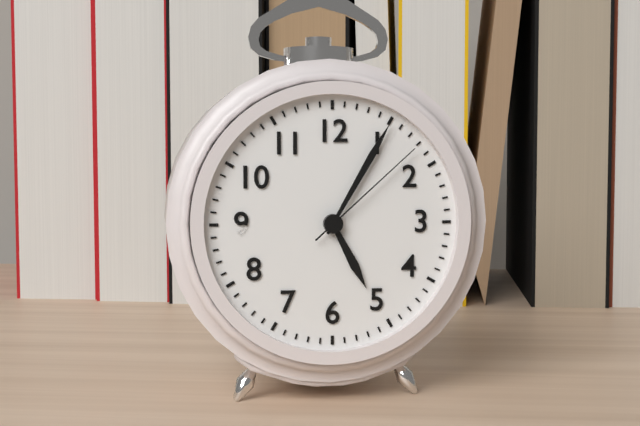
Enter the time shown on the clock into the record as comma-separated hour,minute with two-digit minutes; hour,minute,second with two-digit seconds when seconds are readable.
5,05,08
